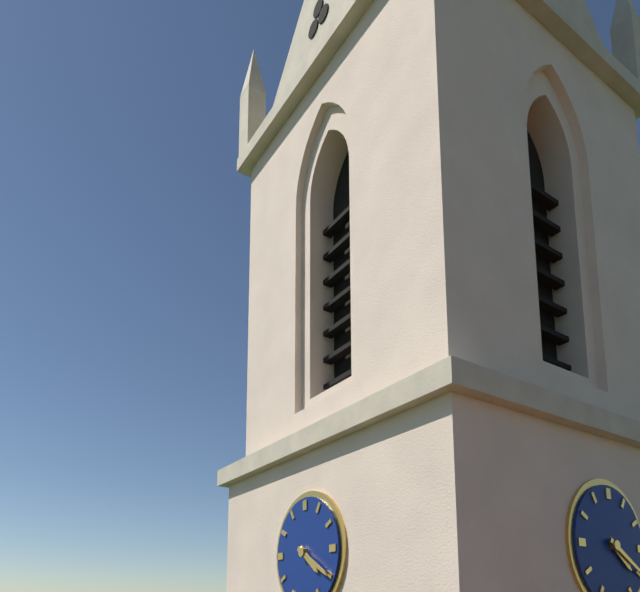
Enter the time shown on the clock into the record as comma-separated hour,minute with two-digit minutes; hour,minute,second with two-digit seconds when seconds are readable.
4,20
